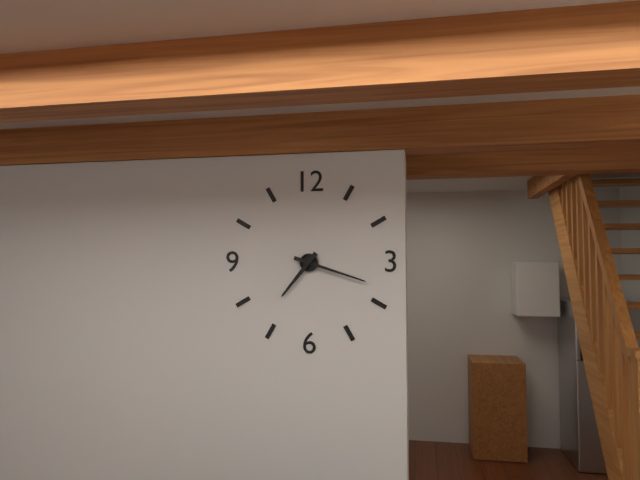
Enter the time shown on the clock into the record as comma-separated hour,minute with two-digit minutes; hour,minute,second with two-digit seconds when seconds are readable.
7,18
